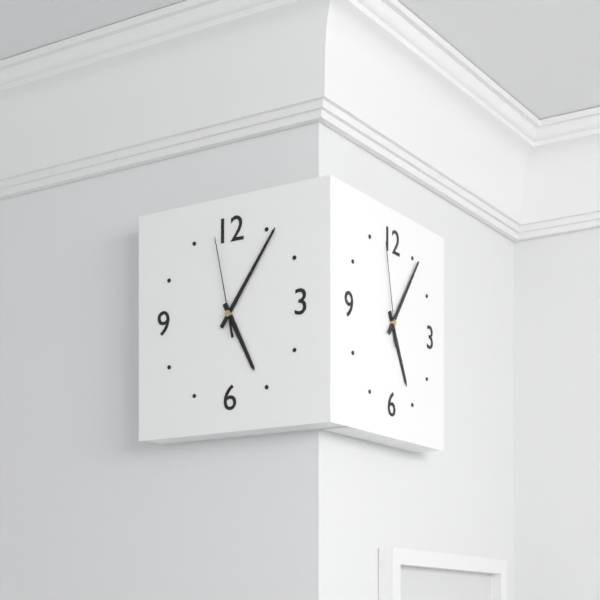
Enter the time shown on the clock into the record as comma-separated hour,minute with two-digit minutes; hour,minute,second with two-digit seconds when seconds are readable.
5,06,58
